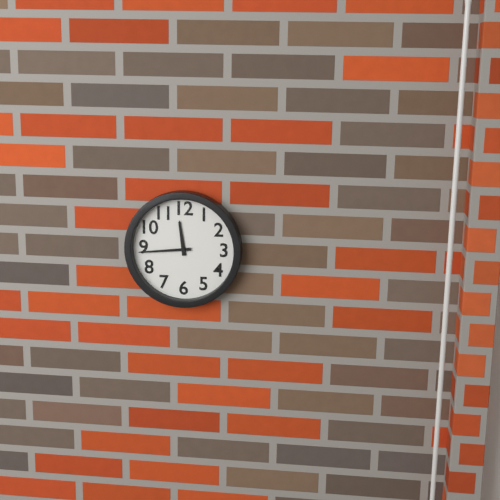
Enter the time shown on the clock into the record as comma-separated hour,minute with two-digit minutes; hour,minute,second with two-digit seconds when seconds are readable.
11,44
